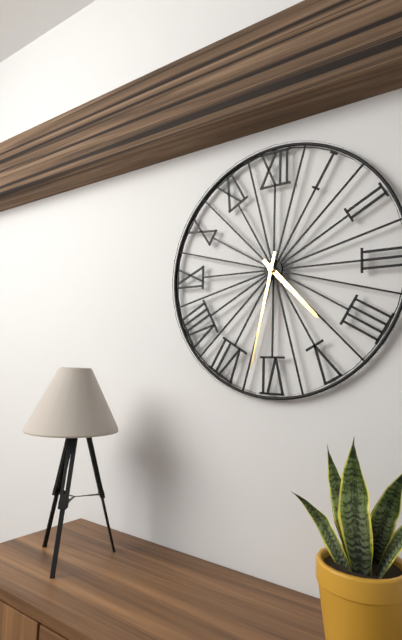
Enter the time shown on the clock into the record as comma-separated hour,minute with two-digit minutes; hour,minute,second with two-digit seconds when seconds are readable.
4,32
